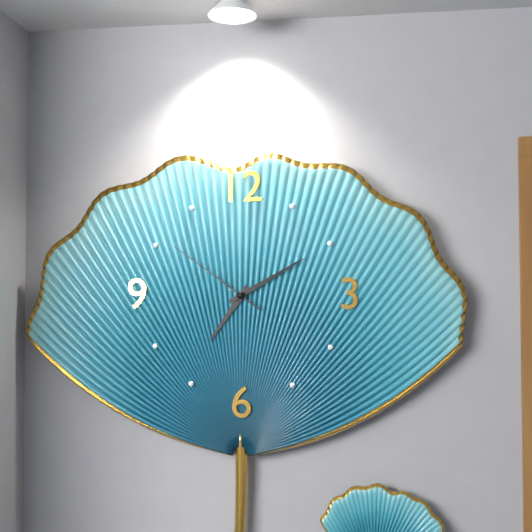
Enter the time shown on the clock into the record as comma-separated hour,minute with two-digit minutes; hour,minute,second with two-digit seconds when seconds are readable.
7,10,51
